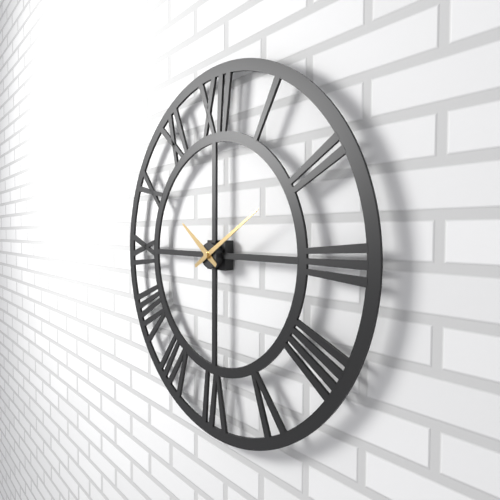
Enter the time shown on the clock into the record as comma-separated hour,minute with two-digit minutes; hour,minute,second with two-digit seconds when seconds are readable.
10,10
